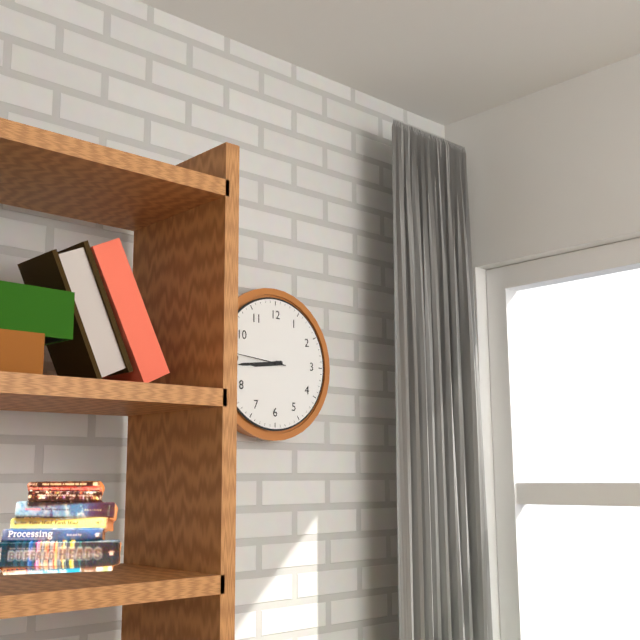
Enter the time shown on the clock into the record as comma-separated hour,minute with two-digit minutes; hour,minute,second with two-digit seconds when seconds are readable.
8,44,46
